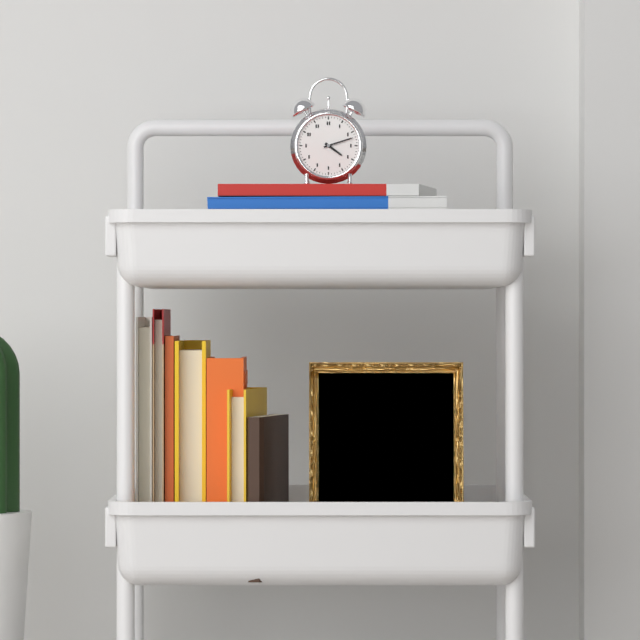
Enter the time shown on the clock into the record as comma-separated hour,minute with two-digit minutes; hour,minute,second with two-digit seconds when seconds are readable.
4,12
